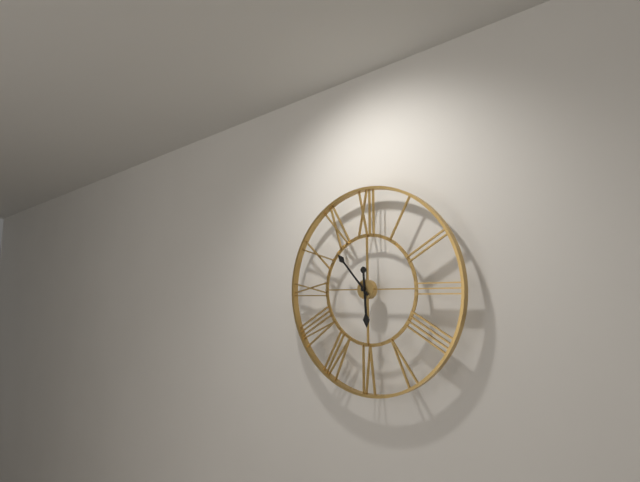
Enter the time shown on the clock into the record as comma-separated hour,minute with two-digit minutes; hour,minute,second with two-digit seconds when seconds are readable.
5,53
